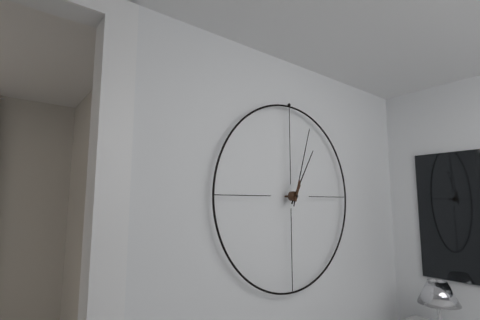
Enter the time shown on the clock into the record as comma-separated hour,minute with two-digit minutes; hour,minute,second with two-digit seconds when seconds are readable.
1,03
